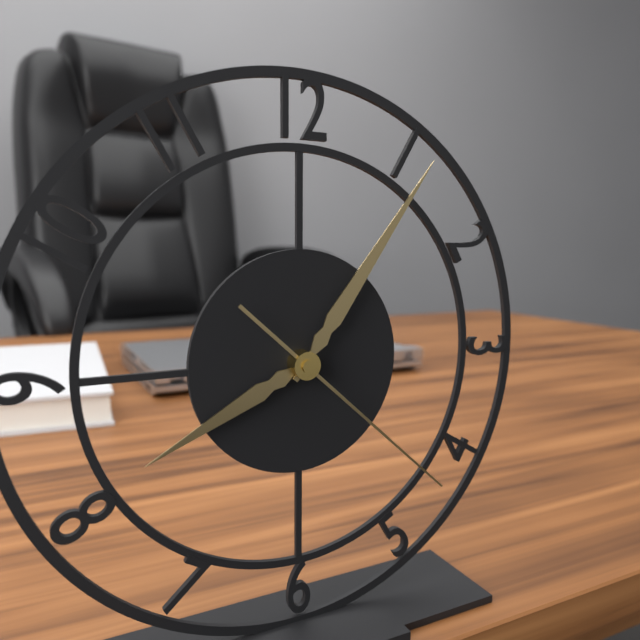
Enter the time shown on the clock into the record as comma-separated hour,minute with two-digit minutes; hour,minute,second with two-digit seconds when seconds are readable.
8,06,22
